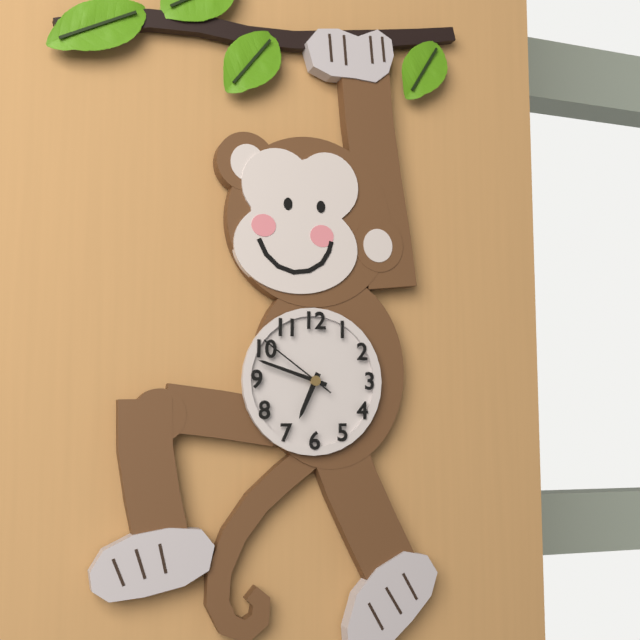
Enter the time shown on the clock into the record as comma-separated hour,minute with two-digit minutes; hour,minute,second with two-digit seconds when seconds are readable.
6,48,51
